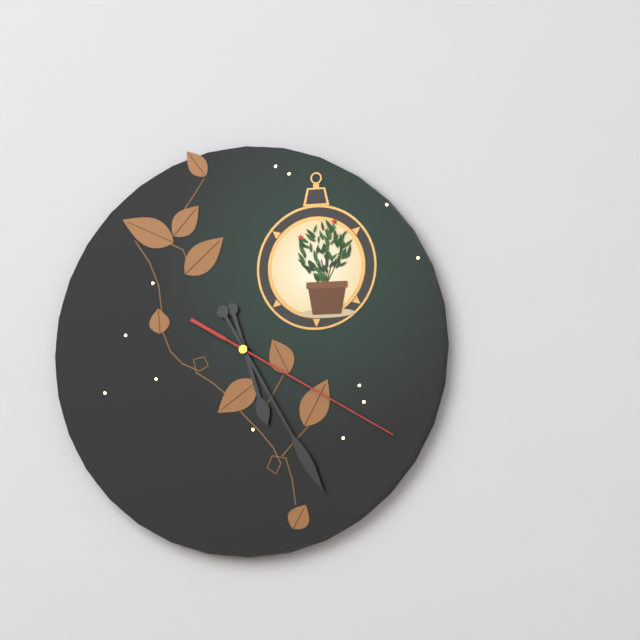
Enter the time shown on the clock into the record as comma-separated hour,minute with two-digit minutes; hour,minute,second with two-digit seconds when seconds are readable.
5,25,20
